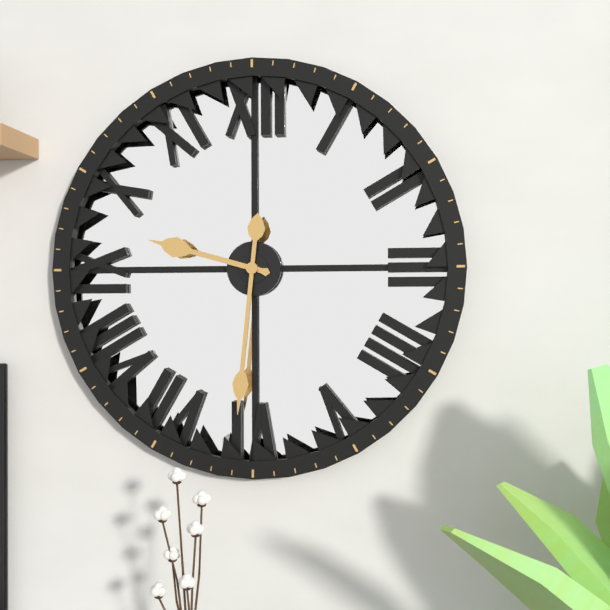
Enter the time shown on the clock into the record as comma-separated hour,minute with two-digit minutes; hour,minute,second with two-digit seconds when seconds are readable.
9,31
